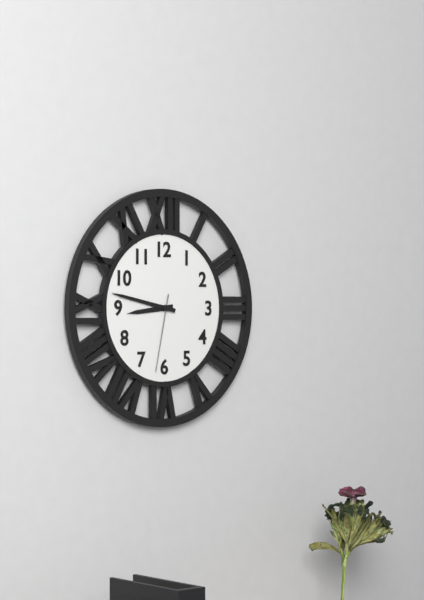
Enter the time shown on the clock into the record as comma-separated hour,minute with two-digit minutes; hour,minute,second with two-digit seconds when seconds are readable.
8,47,32
